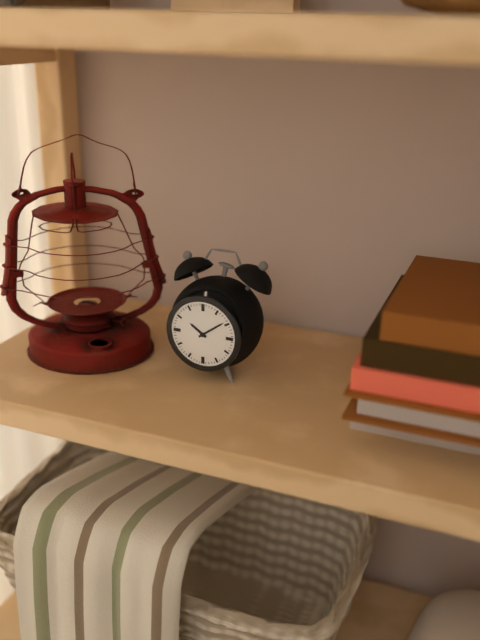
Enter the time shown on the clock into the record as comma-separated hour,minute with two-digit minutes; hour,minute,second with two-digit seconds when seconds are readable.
10,09
